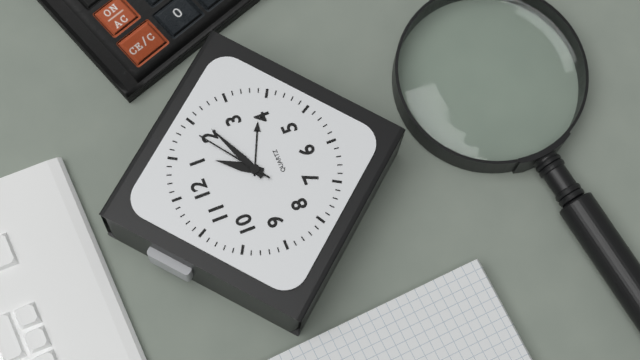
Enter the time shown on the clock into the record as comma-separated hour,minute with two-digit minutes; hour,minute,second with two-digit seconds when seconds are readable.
1,11,09
